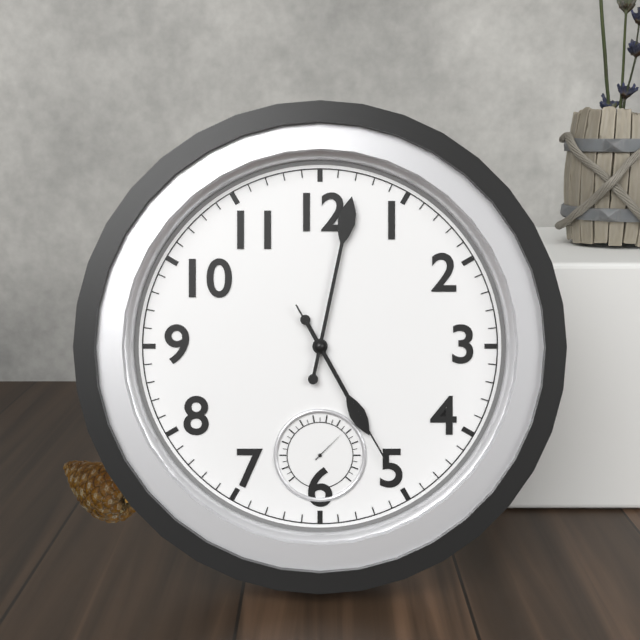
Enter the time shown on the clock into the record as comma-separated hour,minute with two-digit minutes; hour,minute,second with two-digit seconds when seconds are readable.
5,02,25
